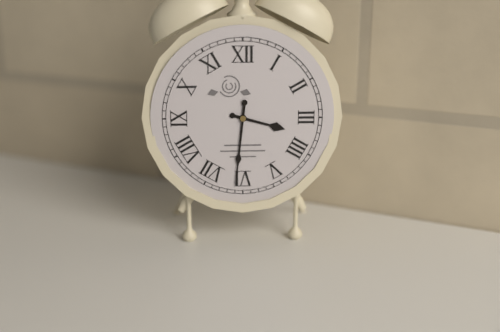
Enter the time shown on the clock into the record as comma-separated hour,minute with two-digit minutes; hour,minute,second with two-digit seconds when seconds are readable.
3,31
